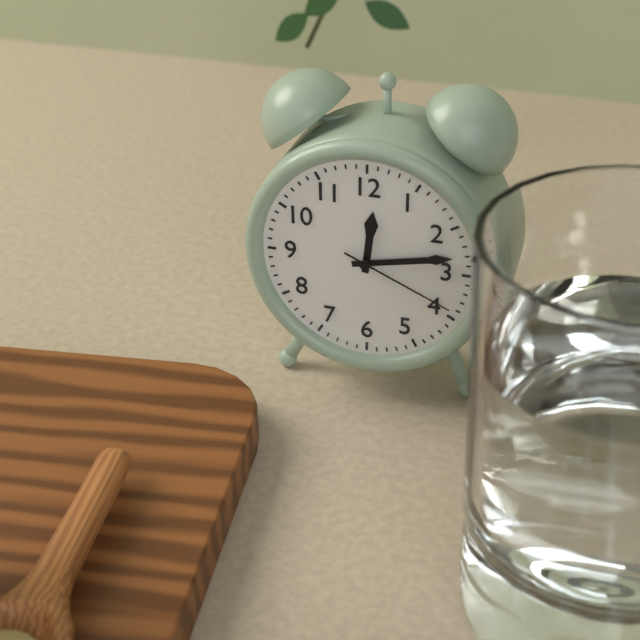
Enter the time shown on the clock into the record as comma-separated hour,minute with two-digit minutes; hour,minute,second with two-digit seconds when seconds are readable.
12,13,19
